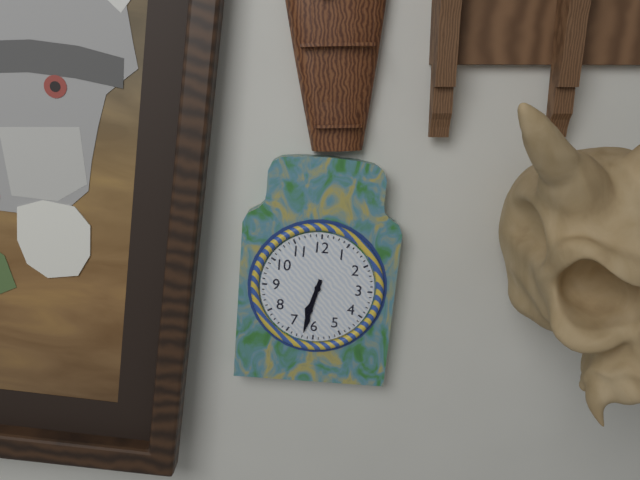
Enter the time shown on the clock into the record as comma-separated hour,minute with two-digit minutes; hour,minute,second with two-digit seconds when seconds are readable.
6,32
